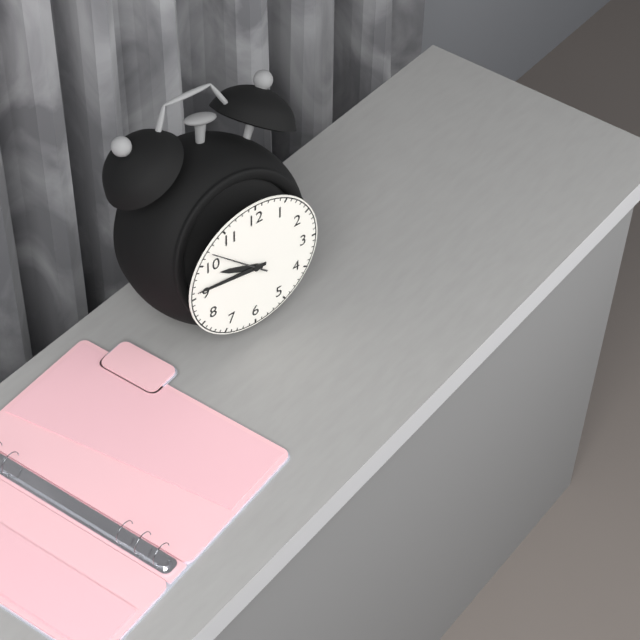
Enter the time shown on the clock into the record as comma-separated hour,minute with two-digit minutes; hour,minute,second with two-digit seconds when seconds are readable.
9,46,52
